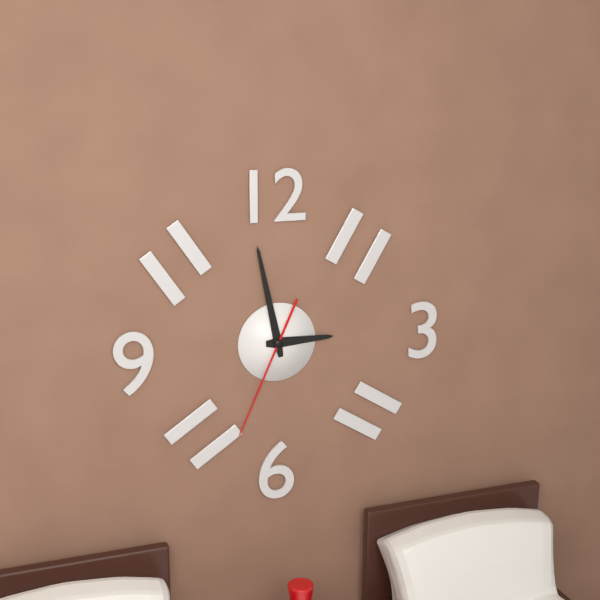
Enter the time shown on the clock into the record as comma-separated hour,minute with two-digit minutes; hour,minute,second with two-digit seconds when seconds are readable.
2,58,34
